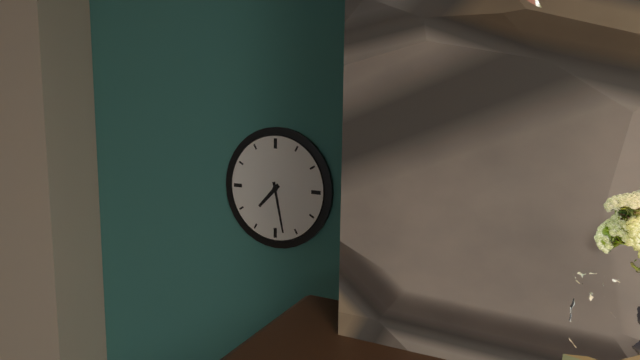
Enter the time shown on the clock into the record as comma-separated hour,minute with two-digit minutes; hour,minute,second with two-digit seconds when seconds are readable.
7,28
